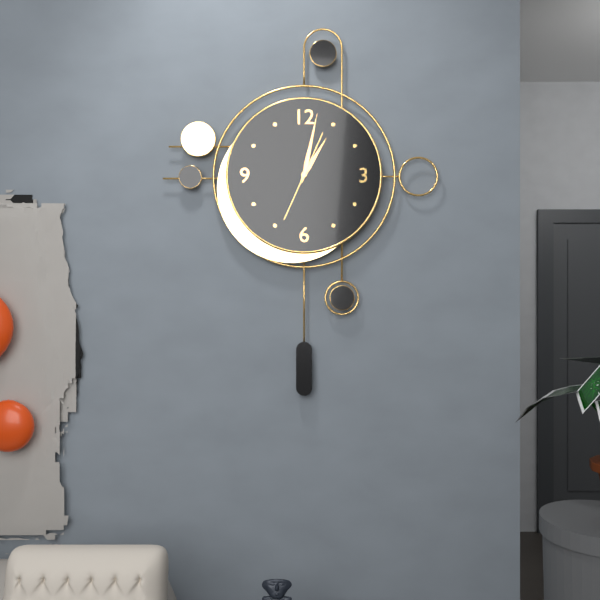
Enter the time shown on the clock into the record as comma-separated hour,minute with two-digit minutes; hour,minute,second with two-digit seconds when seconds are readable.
1,02,34
